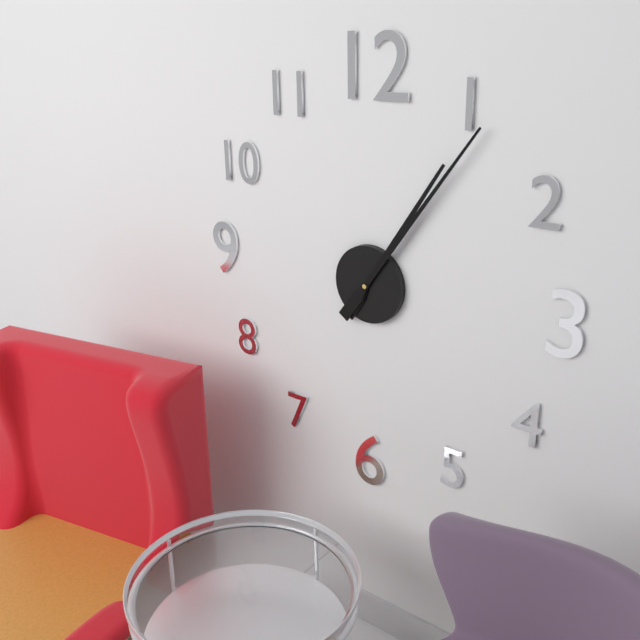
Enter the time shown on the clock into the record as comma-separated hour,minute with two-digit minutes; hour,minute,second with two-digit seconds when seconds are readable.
1,06
